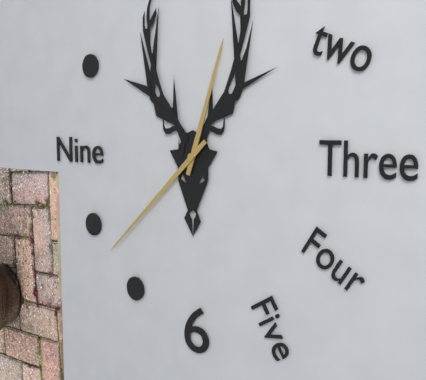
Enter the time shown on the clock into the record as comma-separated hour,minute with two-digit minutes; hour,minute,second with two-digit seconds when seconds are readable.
12,38
